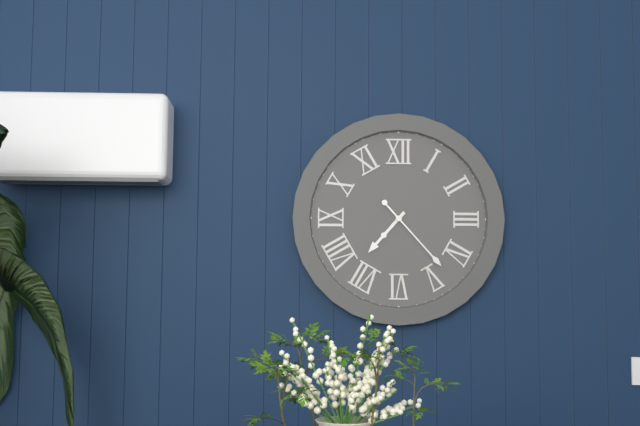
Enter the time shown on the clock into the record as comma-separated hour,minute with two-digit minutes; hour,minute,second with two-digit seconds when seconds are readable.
7,23
